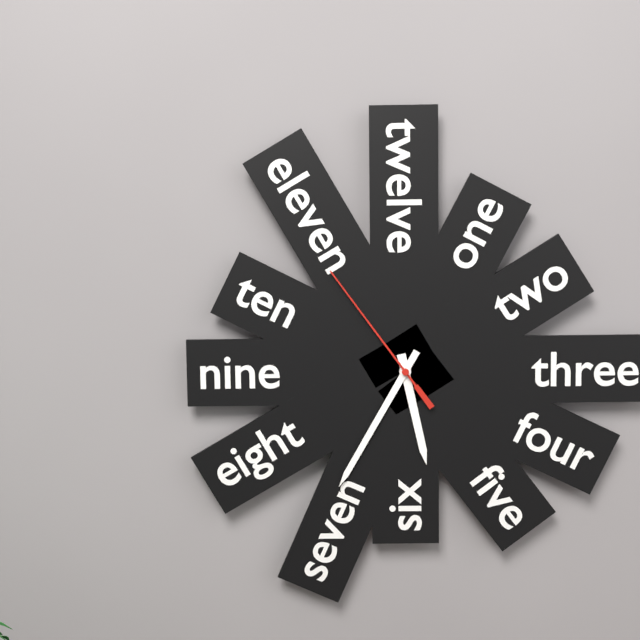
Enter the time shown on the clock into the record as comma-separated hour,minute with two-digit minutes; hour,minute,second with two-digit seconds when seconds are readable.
5,35,54
